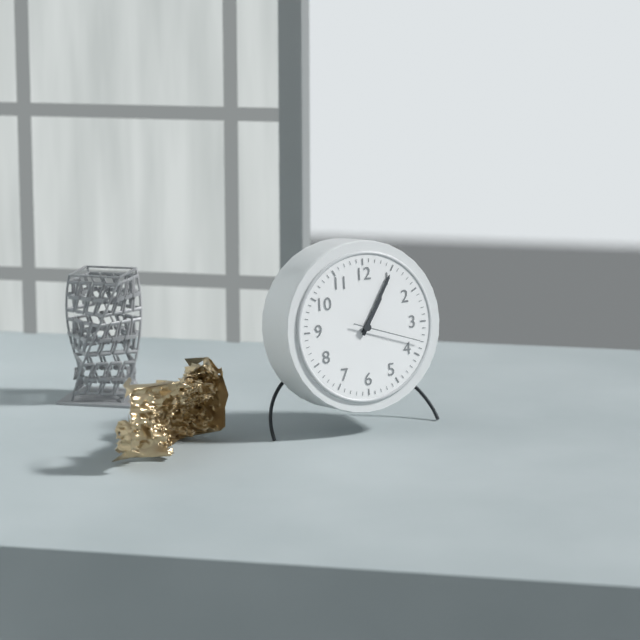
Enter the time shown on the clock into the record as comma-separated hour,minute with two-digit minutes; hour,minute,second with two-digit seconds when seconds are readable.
1,05,18
